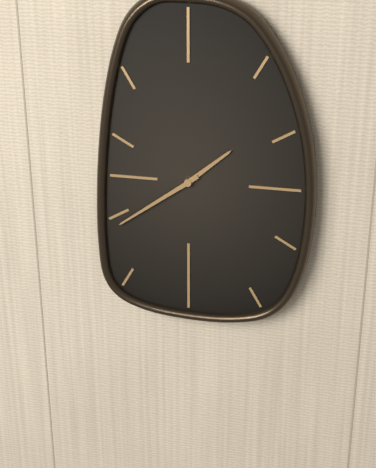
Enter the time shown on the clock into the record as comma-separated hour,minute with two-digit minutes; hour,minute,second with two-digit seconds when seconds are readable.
1,39
